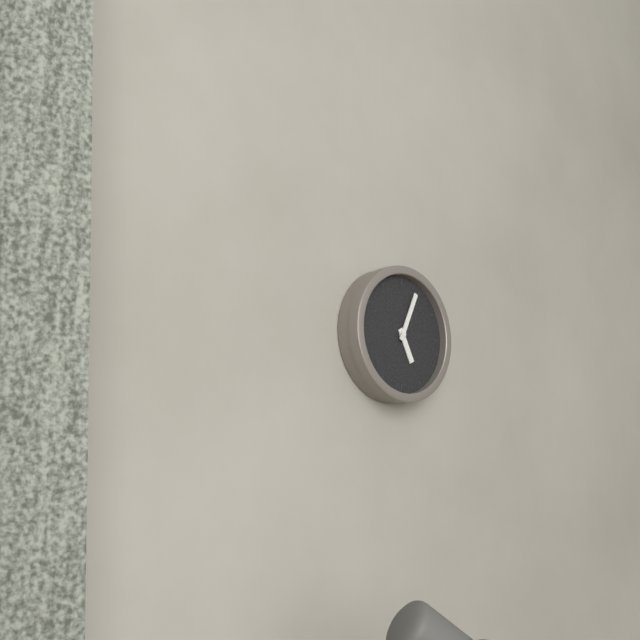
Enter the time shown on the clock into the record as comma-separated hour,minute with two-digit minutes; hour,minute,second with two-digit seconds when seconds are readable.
5,04
